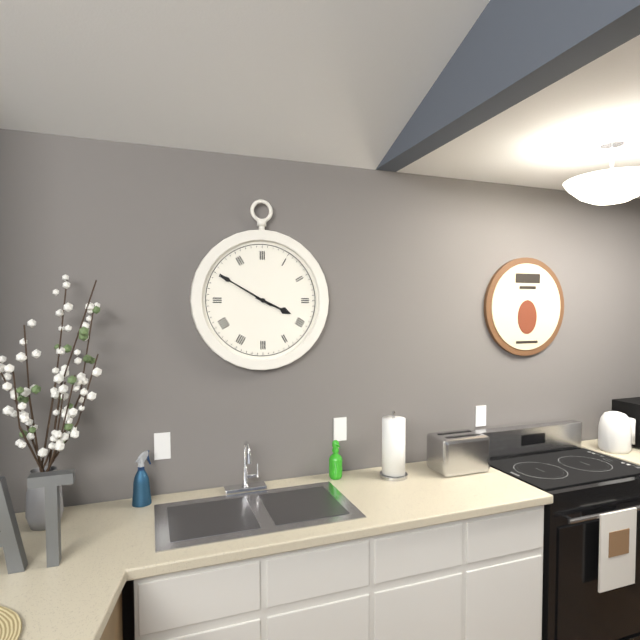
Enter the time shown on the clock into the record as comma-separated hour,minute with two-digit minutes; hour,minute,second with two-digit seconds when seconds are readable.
3,50
